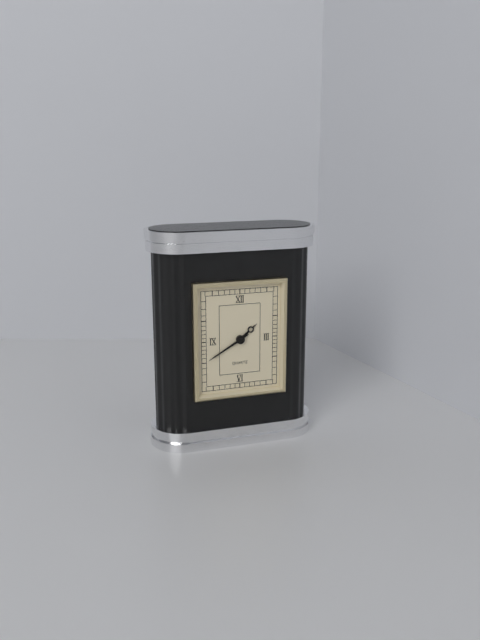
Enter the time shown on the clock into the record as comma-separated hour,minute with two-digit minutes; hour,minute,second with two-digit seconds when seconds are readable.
1,40
